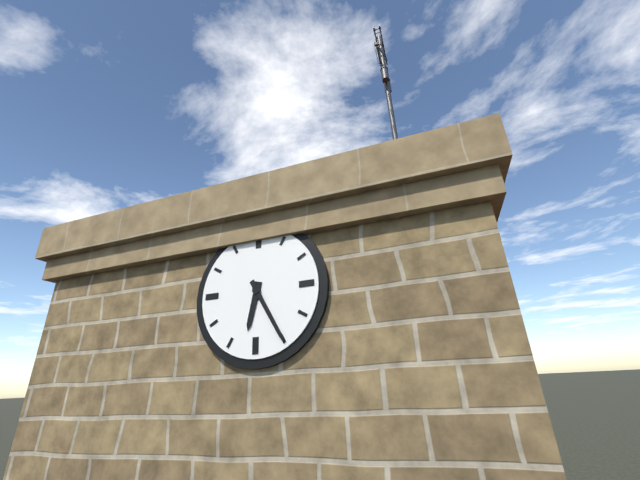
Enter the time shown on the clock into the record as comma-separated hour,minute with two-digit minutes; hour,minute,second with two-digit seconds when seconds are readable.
6,25
